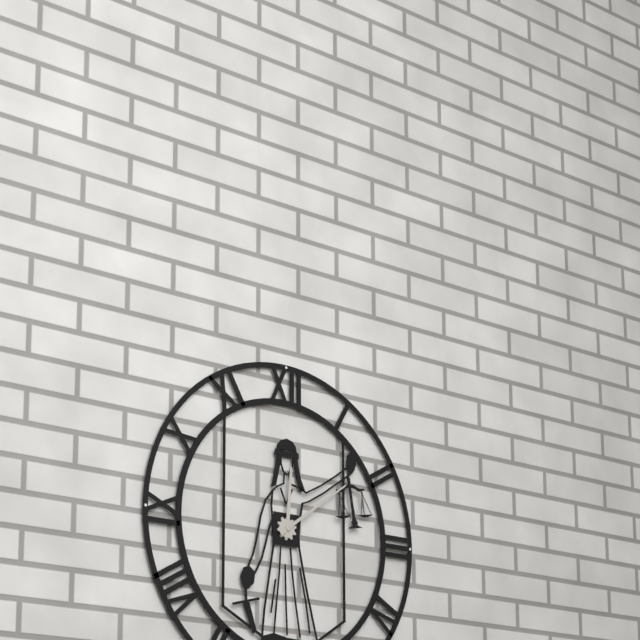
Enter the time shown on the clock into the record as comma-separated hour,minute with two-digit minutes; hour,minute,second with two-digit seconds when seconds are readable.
12,09
